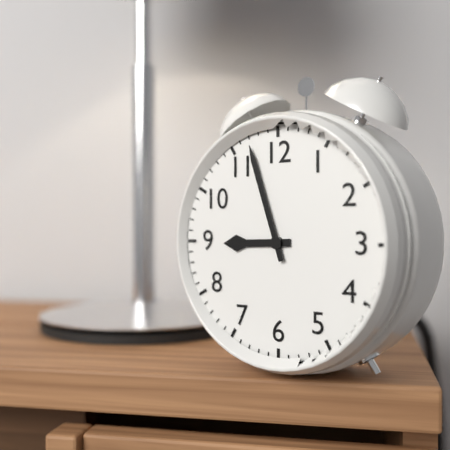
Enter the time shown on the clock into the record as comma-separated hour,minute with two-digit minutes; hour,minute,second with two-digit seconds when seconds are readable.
8,57
